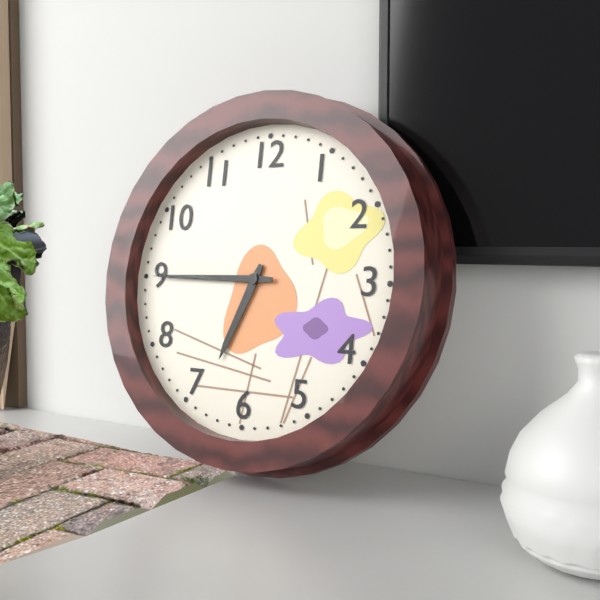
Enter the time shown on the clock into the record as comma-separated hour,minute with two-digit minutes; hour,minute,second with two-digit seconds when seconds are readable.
6,45
